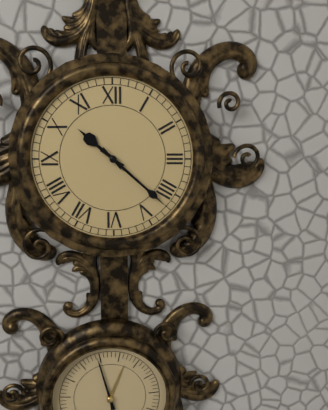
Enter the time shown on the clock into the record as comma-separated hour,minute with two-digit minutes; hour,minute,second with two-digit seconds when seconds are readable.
10,22
